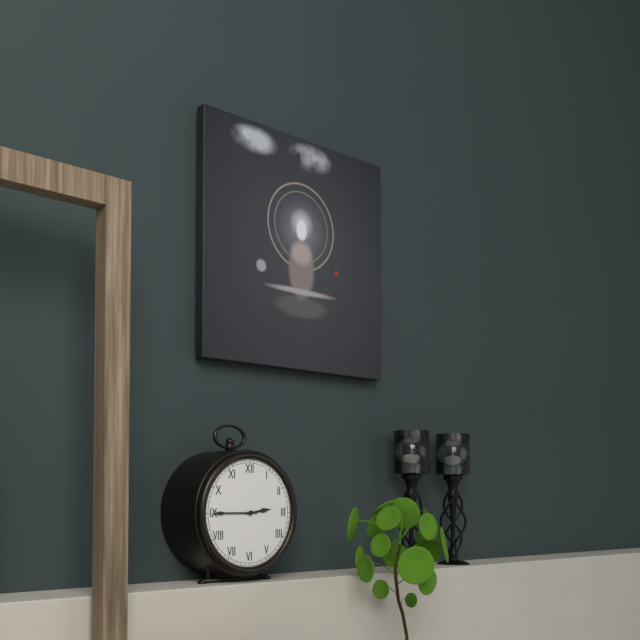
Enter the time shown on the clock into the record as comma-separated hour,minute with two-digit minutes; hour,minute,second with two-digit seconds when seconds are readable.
2,45
